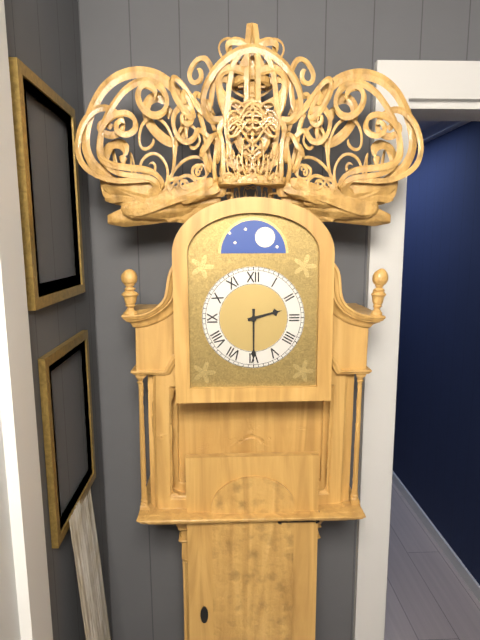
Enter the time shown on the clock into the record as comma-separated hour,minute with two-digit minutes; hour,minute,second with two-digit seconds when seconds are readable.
2,30
